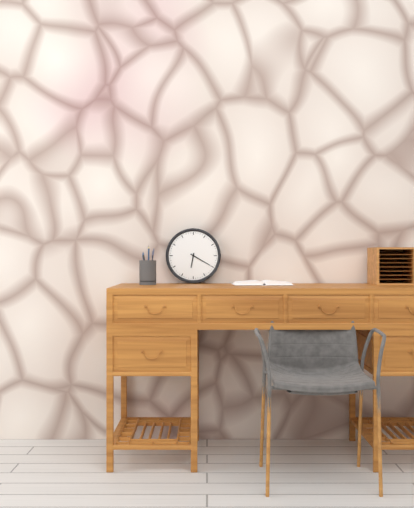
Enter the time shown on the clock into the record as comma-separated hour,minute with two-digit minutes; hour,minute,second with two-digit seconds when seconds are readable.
6,20
